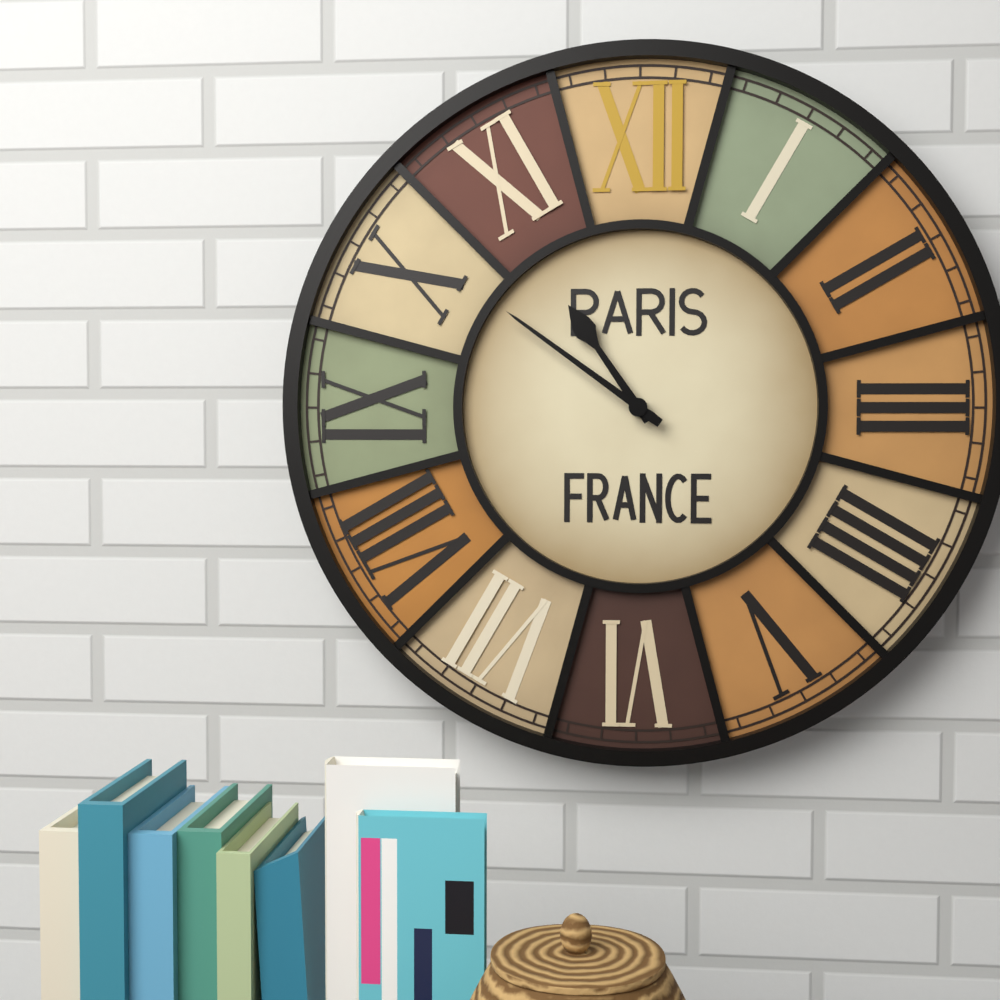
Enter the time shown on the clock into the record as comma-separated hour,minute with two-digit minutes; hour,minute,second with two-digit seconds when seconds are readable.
10,51
